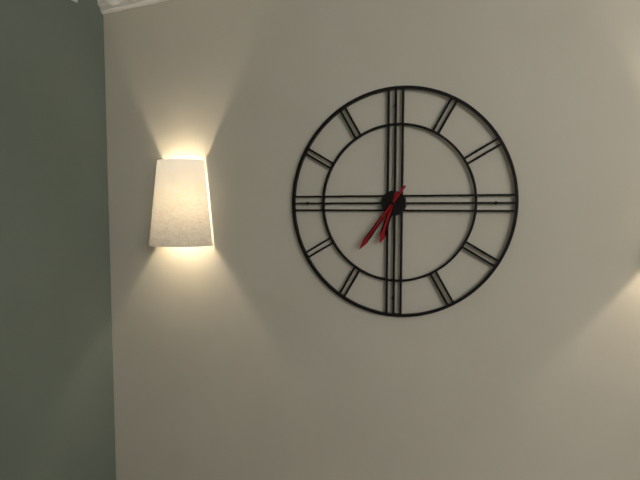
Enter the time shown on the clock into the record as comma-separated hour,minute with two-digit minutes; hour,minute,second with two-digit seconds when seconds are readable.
6,36
